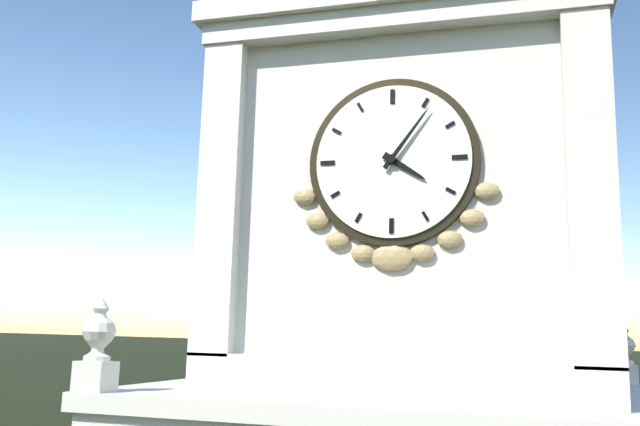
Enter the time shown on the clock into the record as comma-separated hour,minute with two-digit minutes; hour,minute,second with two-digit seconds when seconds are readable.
4,06
